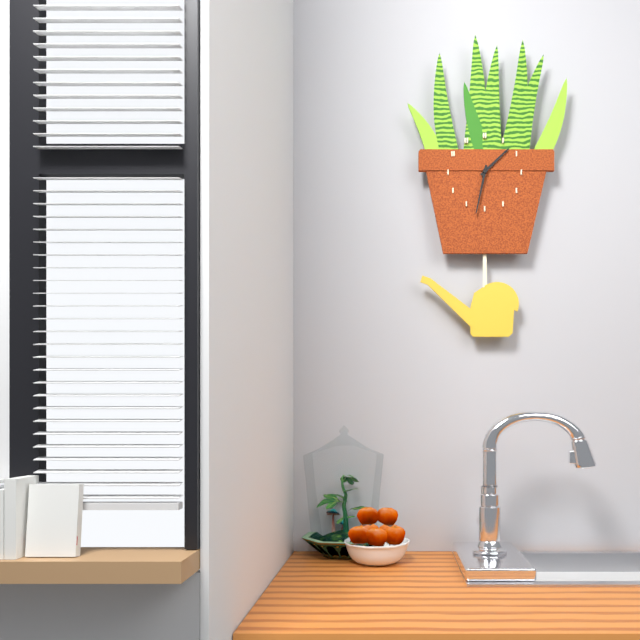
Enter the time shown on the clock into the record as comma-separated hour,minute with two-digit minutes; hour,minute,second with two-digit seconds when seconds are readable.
1,32
